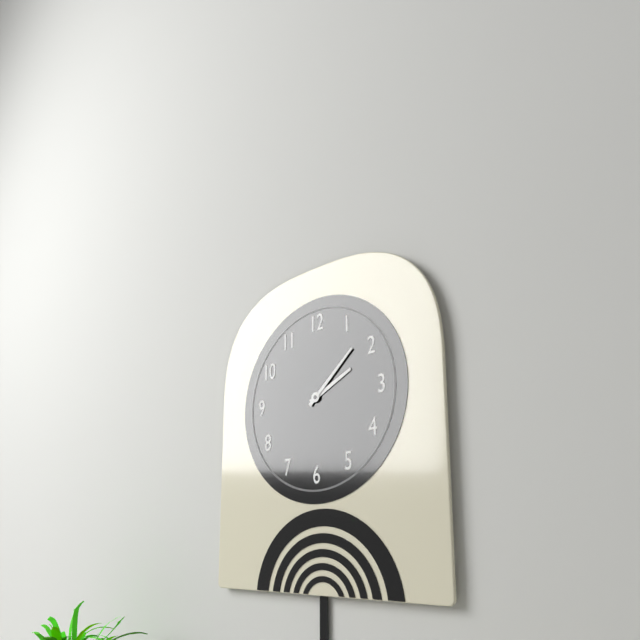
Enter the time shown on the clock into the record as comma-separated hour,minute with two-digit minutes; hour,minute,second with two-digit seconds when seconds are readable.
2,08
